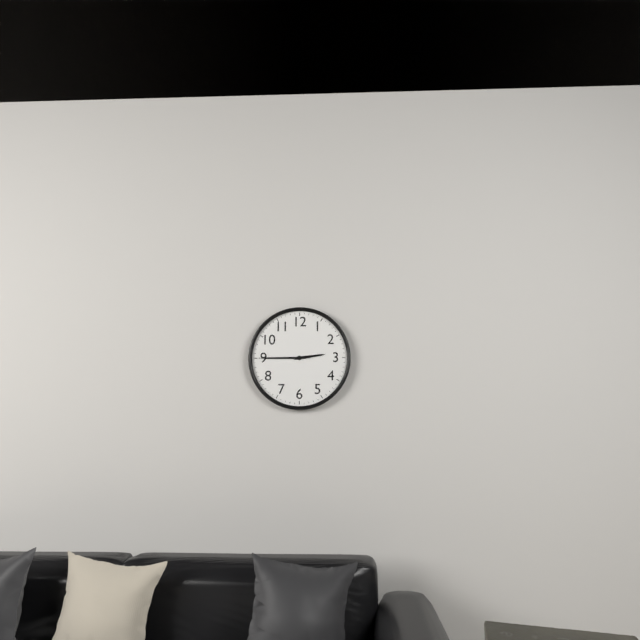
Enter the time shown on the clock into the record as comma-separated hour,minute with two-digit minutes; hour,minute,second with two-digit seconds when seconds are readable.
2,45,45
